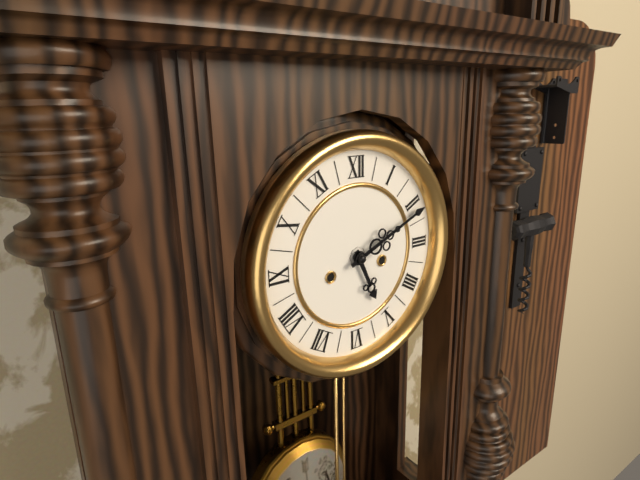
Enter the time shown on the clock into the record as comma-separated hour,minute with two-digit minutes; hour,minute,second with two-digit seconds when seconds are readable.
5,11
